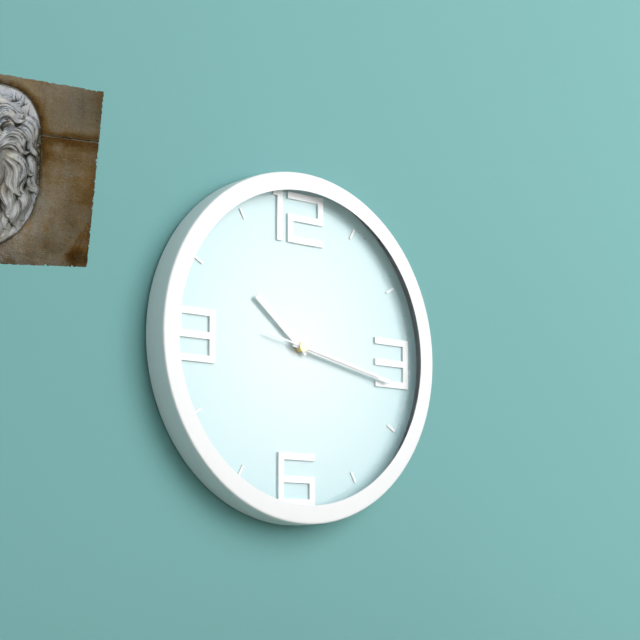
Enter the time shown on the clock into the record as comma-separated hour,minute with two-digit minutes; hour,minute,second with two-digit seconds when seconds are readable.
10,17,17
